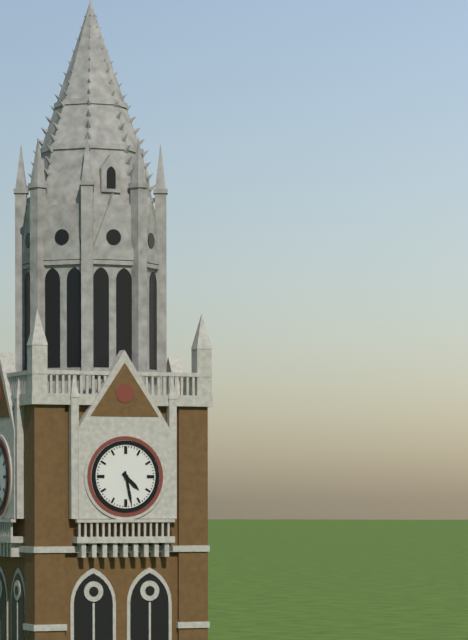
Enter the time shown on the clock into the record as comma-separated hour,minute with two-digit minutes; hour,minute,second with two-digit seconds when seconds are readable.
4,28
